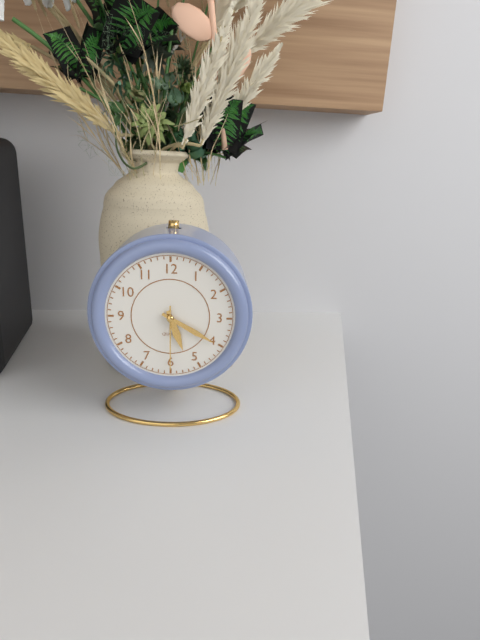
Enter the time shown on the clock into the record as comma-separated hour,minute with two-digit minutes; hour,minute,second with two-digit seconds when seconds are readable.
5,20,30
